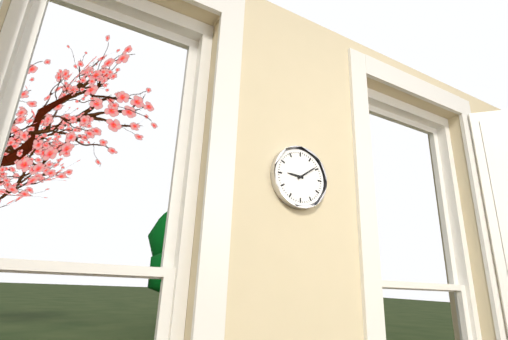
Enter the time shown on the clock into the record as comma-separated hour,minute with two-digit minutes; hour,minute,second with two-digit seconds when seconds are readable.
9,09
